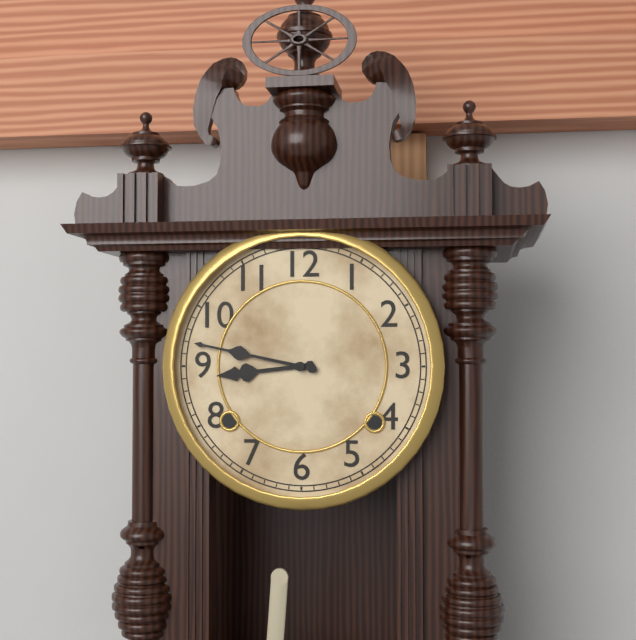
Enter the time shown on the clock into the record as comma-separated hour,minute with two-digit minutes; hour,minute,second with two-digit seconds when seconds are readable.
8,47
